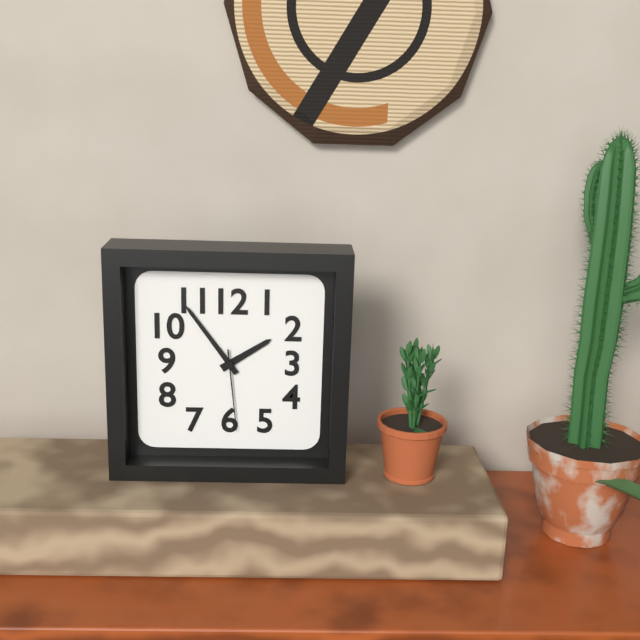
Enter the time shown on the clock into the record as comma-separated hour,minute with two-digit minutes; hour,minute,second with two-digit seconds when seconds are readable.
1,54,29
